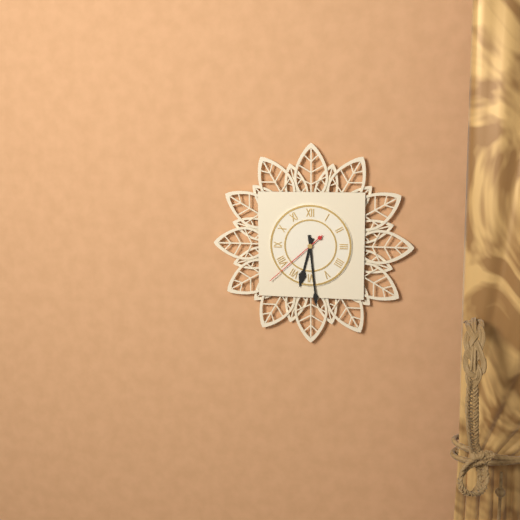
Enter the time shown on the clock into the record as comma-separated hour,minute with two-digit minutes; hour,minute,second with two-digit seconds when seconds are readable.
6,29,38
